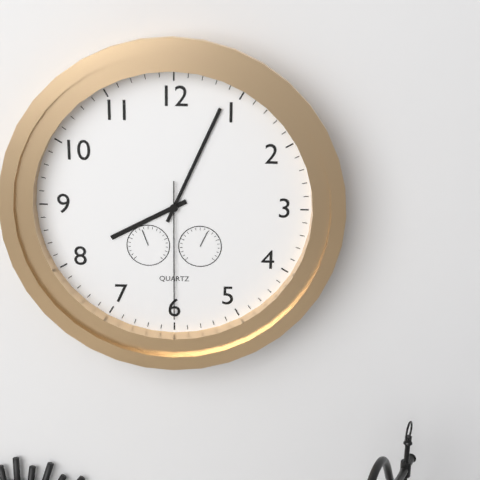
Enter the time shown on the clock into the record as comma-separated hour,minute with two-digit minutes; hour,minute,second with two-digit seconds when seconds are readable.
8,04,30
